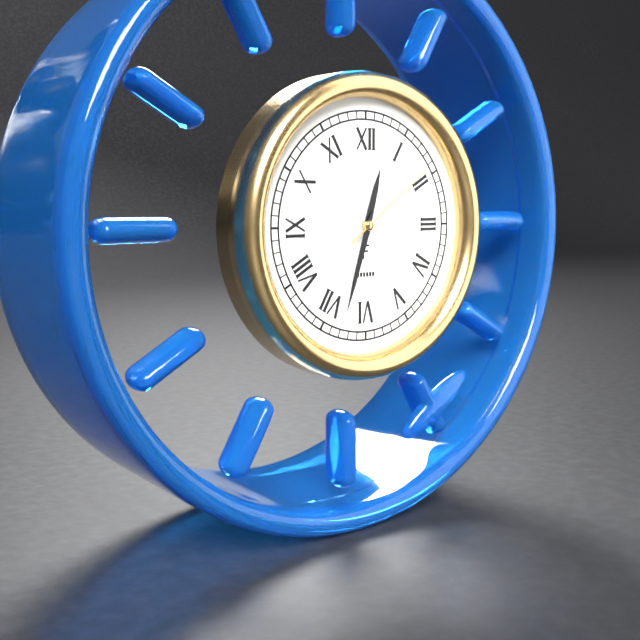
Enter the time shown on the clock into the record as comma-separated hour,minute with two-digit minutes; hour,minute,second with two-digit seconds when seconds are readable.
12,33,09
